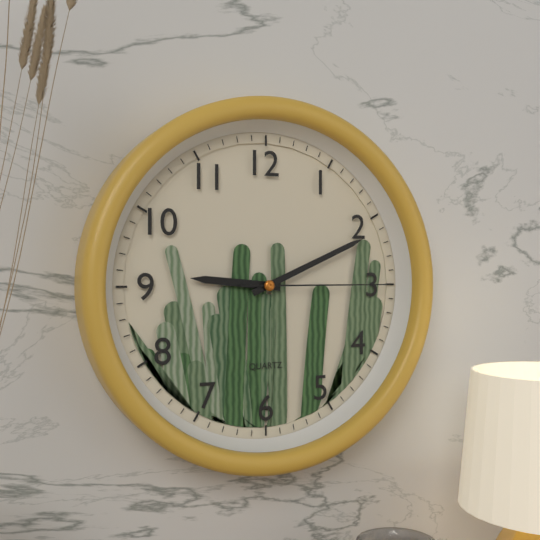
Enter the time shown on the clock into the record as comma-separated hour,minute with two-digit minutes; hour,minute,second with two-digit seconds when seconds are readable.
9,11,15
